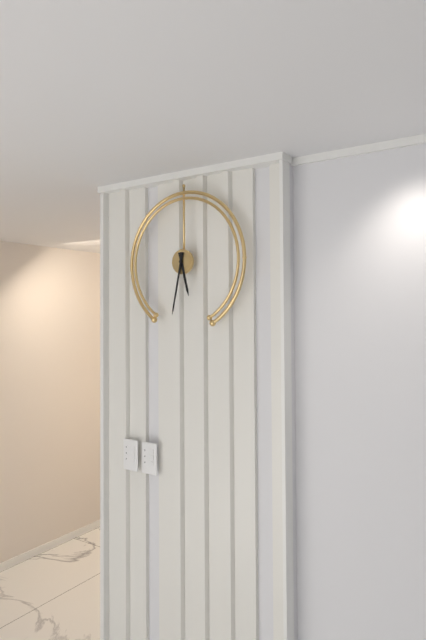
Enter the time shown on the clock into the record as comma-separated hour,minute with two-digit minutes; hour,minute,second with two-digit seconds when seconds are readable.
5,32
